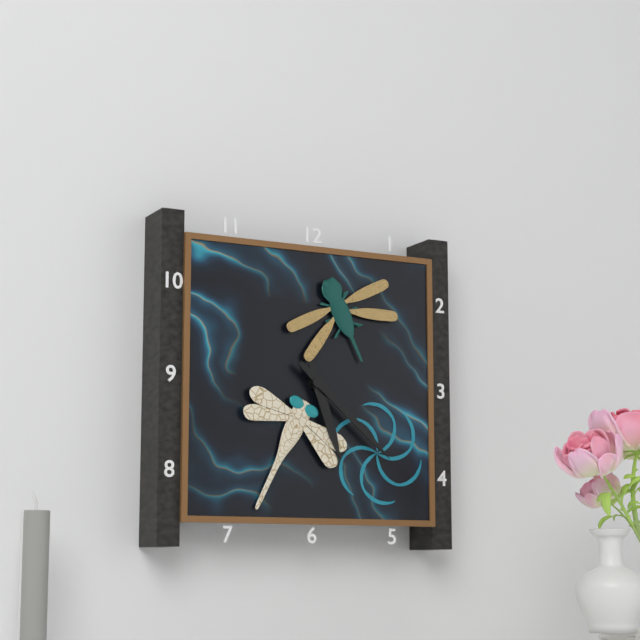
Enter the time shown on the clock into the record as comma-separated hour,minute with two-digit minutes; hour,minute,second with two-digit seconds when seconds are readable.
5,22
